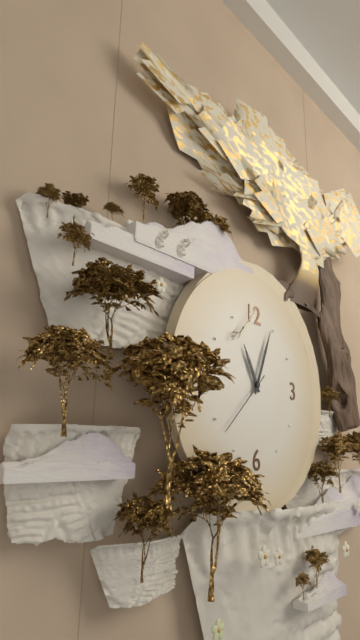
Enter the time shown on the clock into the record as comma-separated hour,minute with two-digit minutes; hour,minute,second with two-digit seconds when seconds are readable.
11,04,38
